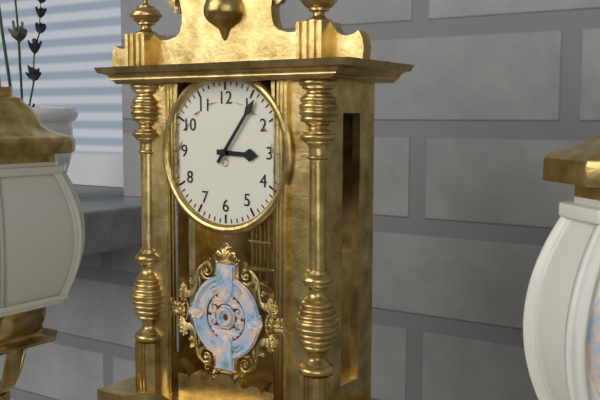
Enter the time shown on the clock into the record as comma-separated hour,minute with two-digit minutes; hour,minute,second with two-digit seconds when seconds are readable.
3,06
